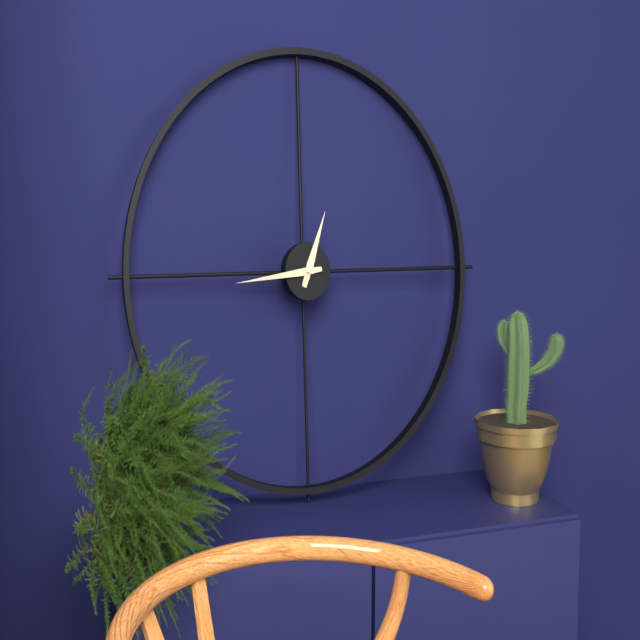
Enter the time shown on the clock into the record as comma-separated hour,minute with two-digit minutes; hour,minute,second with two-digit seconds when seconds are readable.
12,44
